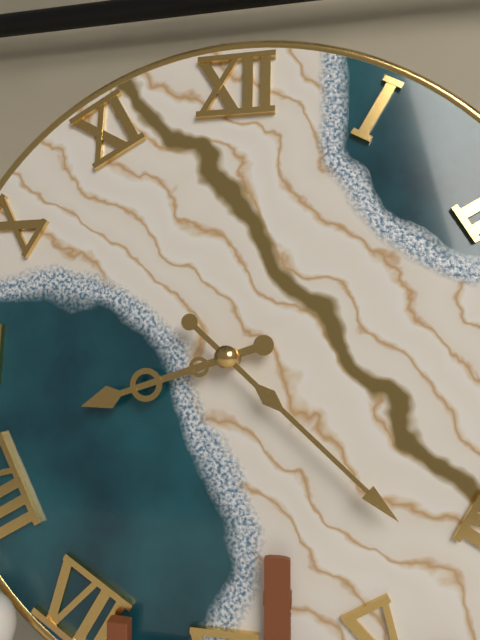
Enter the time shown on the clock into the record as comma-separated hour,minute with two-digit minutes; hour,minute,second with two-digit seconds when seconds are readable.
8,22
